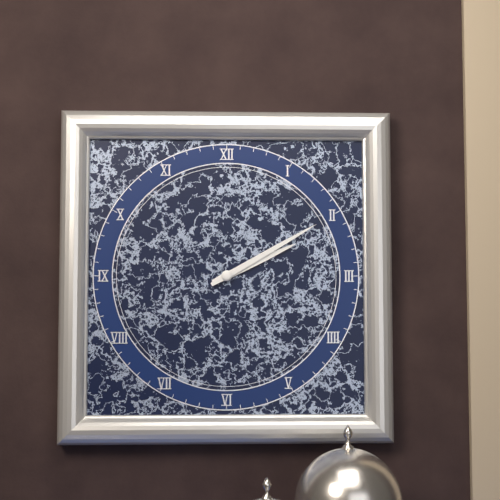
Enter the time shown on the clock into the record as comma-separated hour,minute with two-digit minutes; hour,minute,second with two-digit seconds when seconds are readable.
2,10
